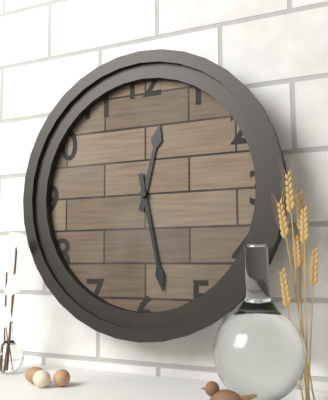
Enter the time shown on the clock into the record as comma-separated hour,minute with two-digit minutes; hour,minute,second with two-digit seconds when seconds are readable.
12,28
